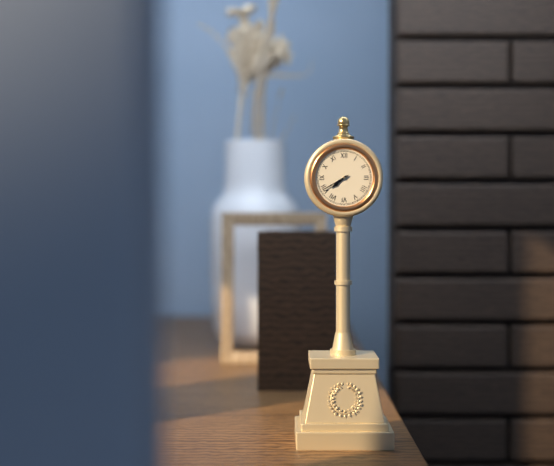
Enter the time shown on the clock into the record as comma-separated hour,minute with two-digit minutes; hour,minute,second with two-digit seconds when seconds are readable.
7,40
